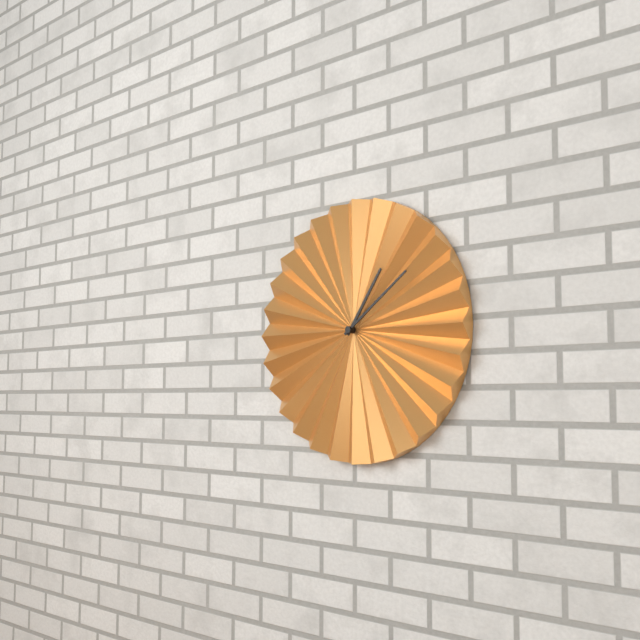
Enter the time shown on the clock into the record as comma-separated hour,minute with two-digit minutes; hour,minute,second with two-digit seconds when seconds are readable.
1,09
